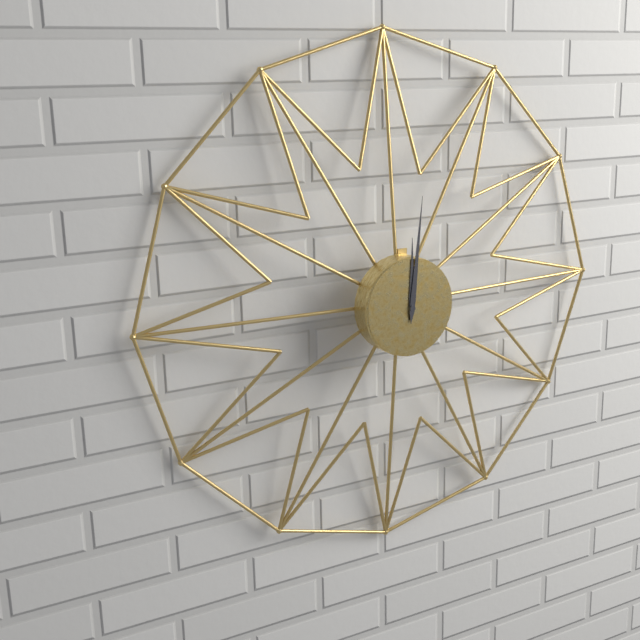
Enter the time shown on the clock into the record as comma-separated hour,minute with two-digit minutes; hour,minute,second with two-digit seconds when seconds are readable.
12,01
